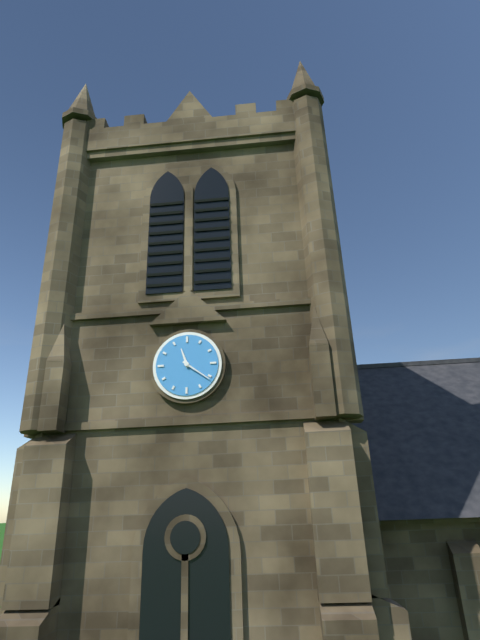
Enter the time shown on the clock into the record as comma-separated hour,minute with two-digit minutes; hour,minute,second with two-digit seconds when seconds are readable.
11,21
